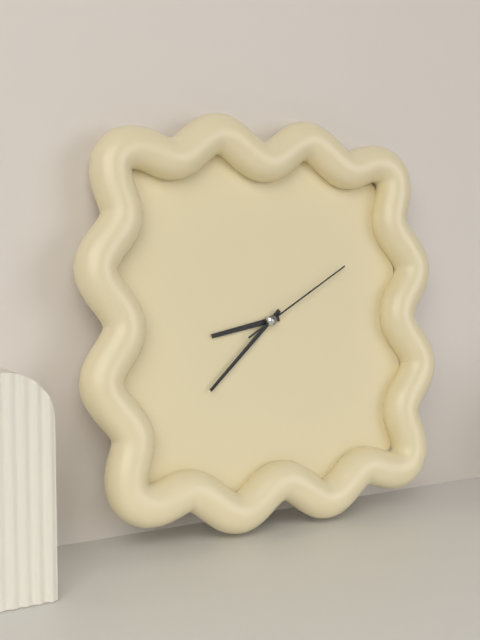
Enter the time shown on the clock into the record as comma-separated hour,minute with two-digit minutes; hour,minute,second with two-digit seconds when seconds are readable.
8,38,10
